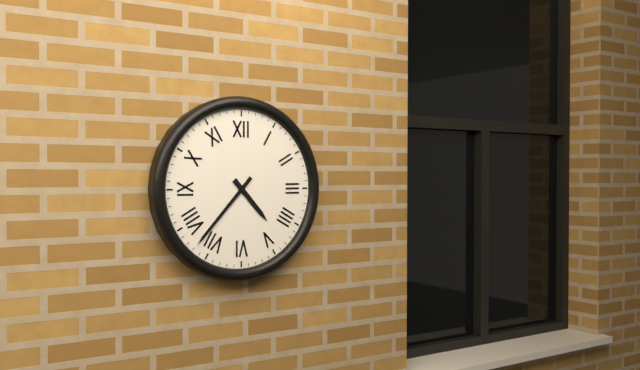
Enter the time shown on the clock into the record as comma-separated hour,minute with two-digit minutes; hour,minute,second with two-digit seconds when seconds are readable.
4,37
